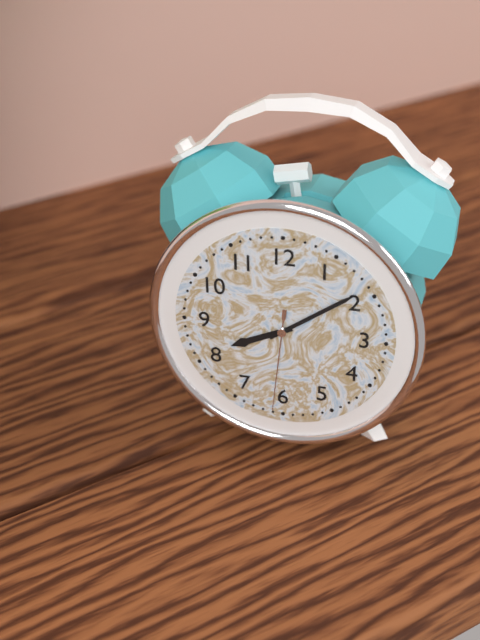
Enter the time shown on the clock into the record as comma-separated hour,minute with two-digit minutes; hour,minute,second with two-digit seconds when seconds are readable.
8,09,31
